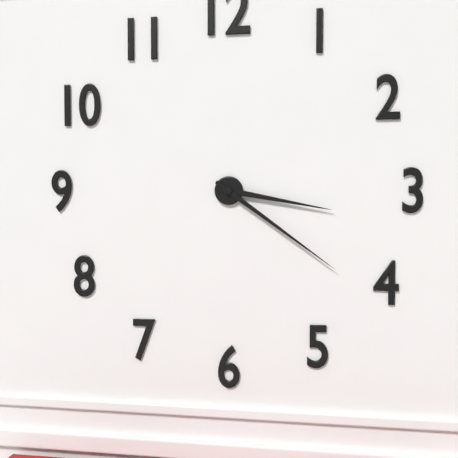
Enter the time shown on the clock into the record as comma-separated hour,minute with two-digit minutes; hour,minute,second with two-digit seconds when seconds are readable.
3,21
